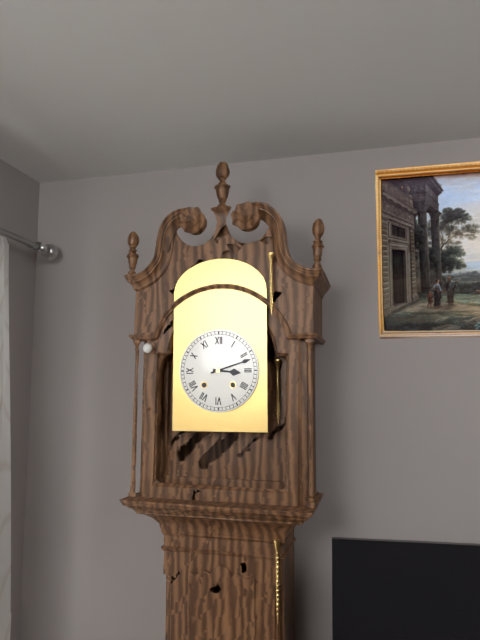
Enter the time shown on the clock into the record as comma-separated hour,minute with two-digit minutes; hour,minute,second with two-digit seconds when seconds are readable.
3,12
